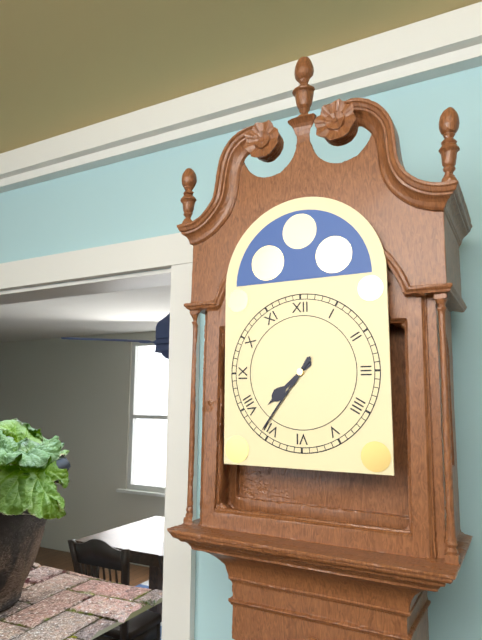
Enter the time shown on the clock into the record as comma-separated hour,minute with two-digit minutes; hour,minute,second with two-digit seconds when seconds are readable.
7,36
